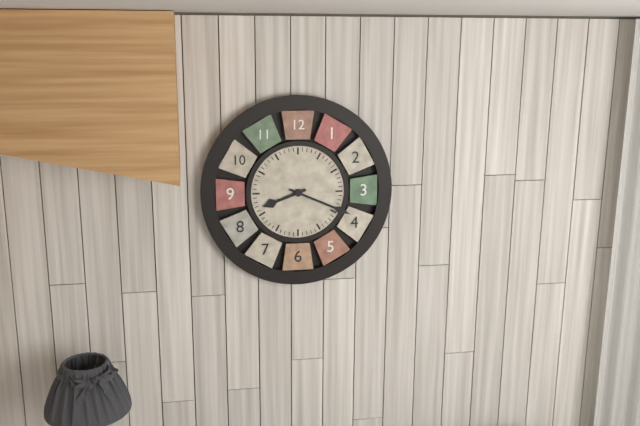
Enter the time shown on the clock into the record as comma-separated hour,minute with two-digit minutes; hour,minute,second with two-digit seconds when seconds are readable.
8,19
